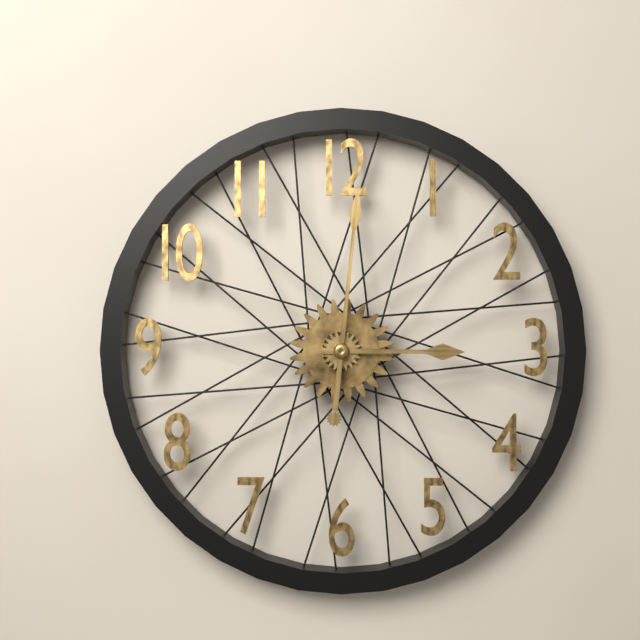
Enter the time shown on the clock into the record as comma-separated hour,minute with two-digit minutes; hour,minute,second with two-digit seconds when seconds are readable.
3,01
